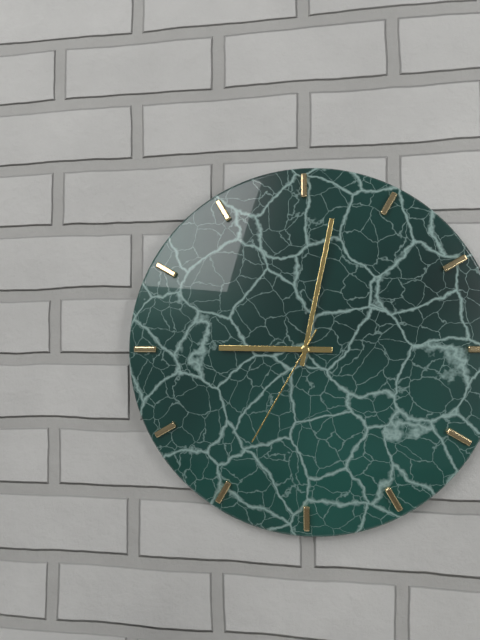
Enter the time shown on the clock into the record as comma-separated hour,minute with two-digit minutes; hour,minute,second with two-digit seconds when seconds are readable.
9,02,35
